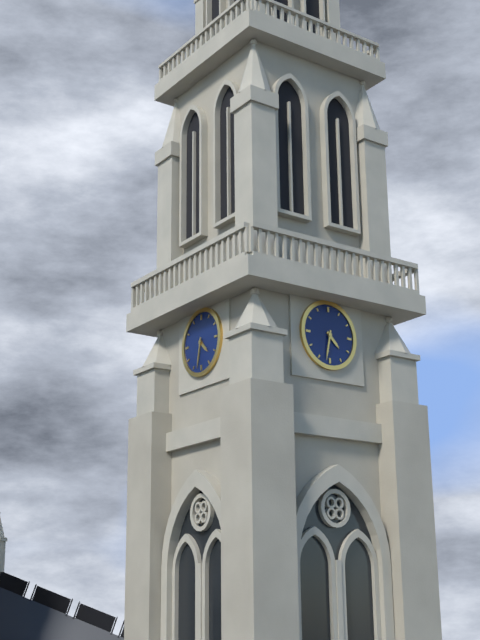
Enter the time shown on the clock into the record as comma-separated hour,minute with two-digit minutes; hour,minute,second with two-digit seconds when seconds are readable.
4,32
